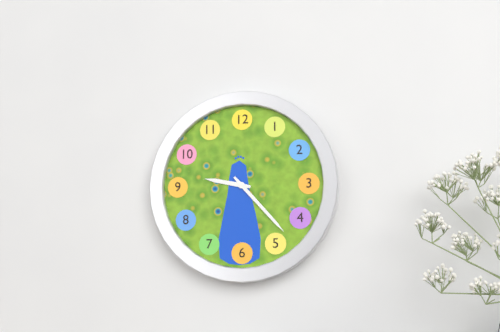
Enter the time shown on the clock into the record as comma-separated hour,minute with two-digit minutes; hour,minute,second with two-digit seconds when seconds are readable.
9,23
